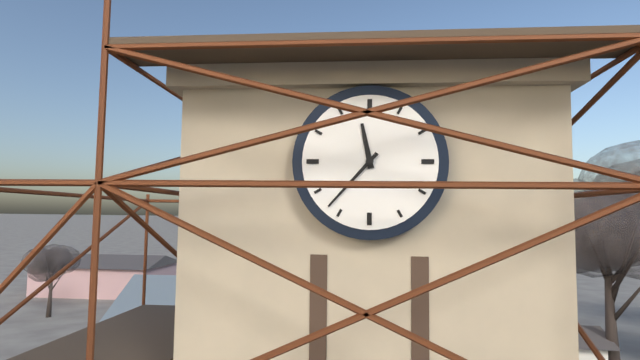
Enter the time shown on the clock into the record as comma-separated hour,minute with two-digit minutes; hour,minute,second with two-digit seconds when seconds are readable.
11,37
